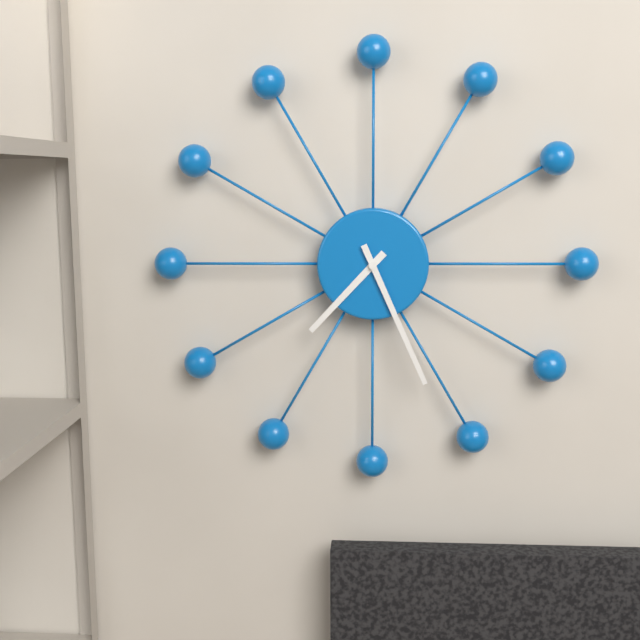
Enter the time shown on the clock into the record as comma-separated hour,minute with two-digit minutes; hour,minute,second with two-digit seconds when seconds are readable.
7,26
